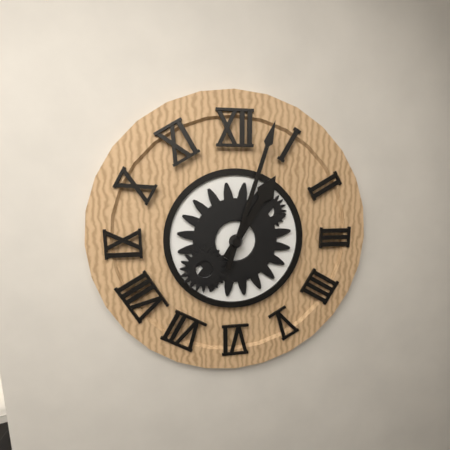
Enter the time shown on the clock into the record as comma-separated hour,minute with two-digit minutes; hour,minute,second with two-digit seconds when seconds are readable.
1,03
